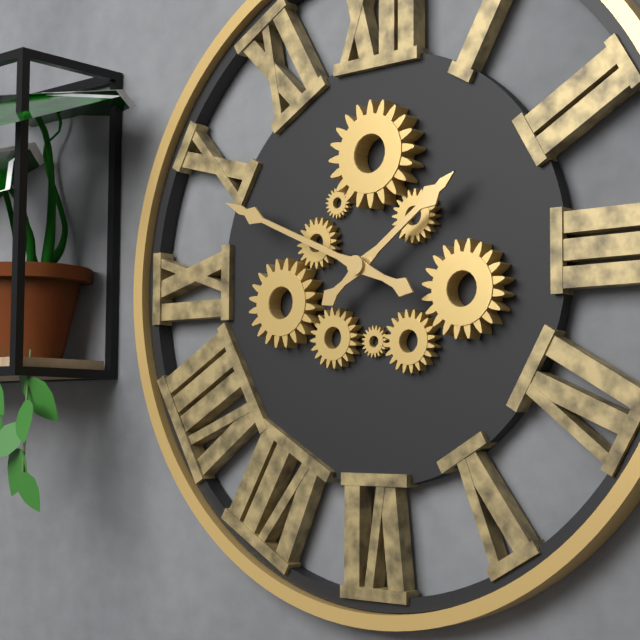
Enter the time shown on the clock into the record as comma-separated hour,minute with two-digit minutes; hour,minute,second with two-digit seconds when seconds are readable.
1,49
